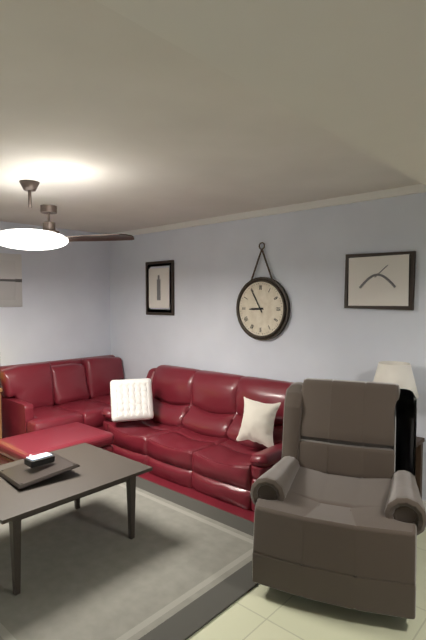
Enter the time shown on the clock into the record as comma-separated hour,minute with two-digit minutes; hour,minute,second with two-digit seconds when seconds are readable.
8,55
